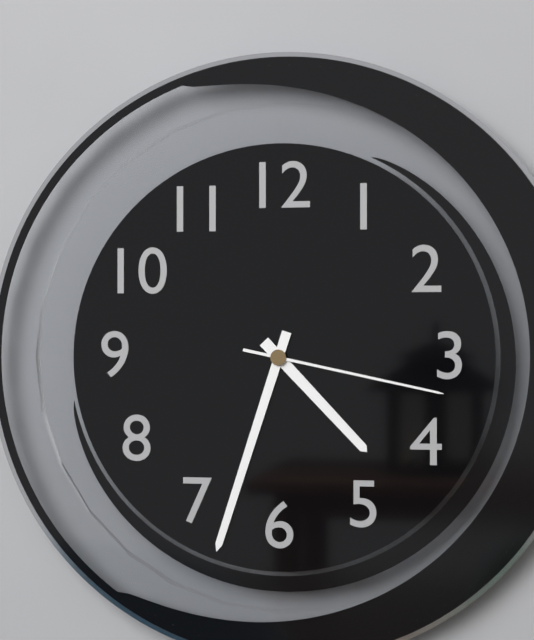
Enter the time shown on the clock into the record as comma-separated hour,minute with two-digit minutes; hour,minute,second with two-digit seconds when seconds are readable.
4,33,17
